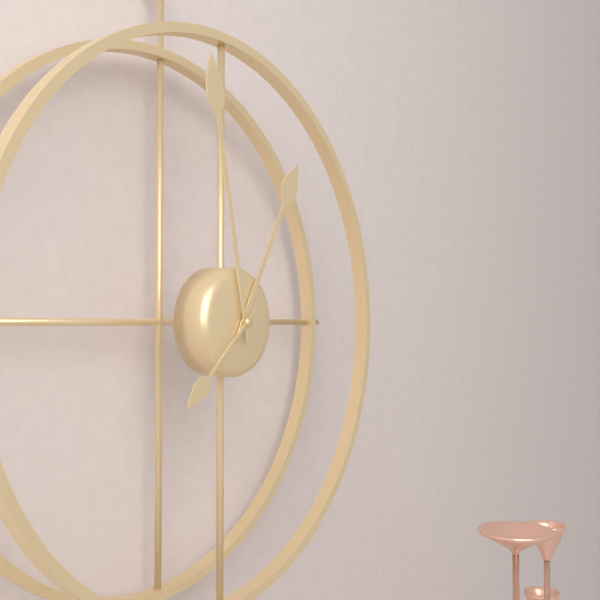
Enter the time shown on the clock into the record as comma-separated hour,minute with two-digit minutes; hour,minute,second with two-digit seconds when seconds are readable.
12,58,38
